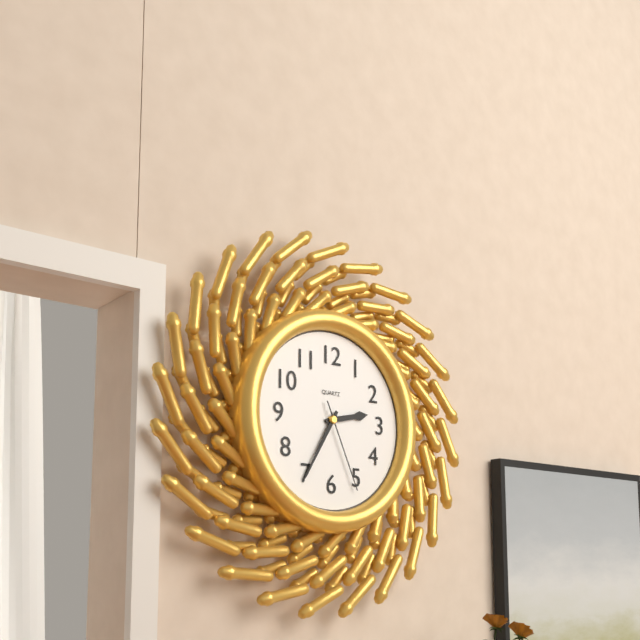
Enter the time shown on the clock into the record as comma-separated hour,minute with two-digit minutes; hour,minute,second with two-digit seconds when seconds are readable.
2,35,26
